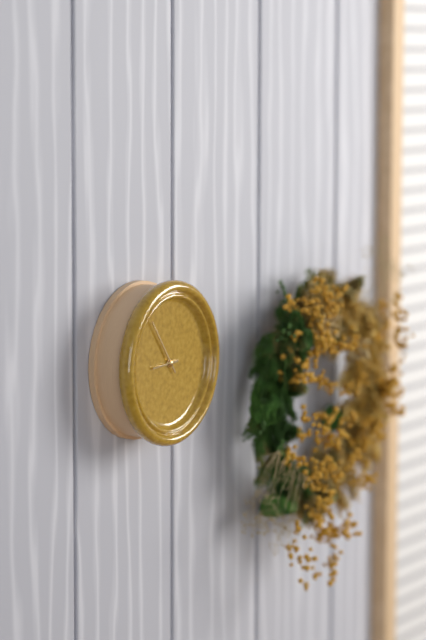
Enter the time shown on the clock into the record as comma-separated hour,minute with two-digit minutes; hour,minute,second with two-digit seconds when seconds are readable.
8,54
